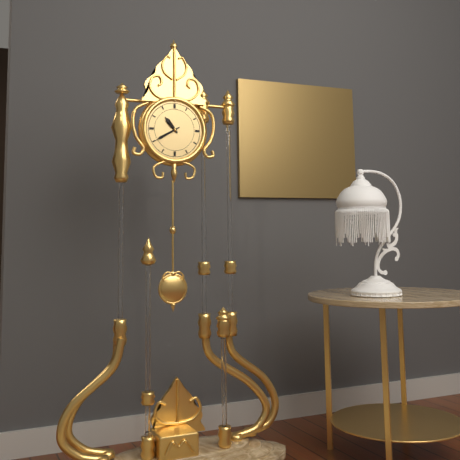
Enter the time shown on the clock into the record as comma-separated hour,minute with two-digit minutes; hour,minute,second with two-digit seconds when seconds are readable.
10,40
